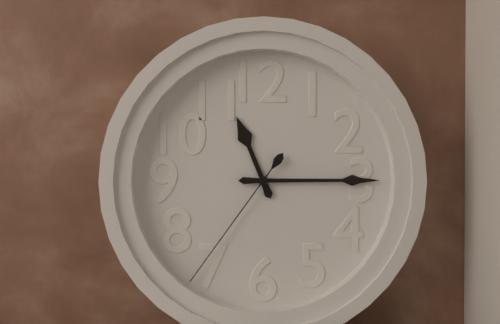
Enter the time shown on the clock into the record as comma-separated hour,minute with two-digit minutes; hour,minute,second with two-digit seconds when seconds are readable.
11,15,36
